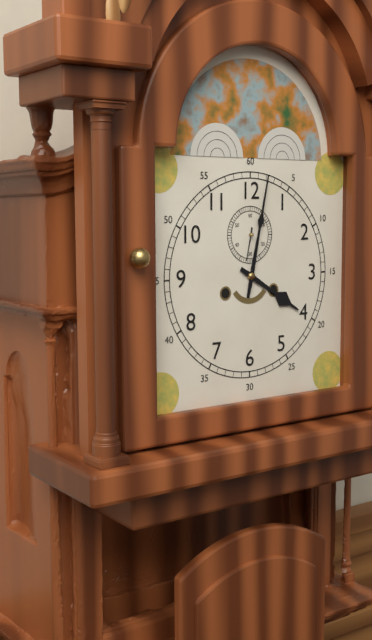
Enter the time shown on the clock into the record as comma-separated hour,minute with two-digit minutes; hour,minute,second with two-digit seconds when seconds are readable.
4,02
